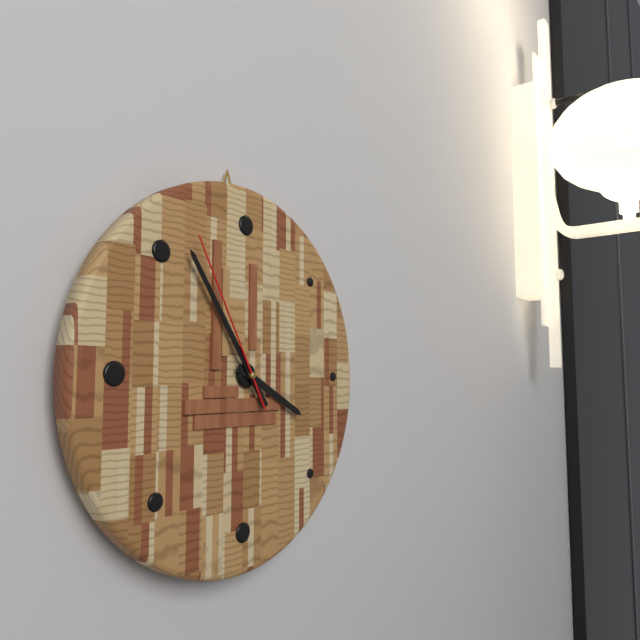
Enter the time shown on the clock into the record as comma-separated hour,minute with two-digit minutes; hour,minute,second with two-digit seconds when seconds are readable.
3,54,55
